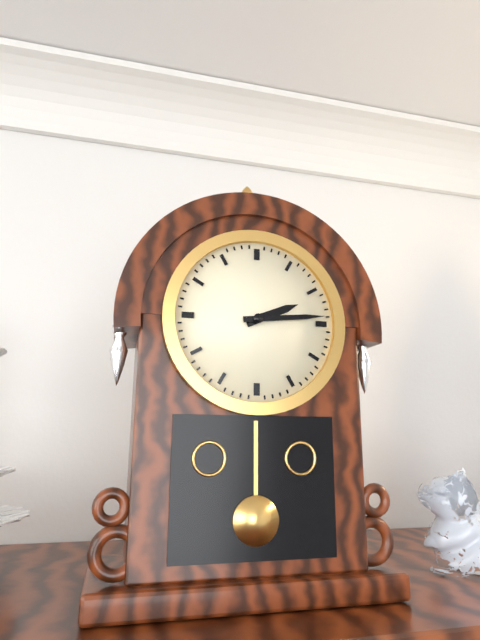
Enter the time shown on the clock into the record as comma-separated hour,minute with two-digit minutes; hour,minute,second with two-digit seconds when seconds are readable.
2,14
